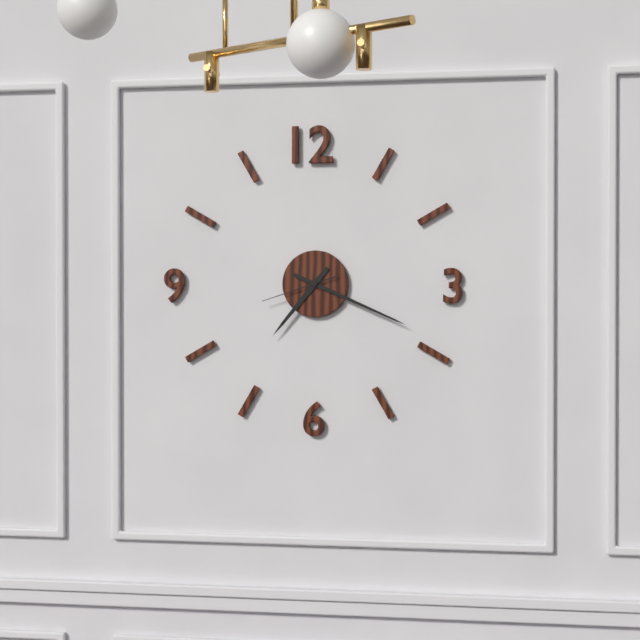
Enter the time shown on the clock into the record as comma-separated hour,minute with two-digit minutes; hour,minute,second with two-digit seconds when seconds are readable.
7,19,42
